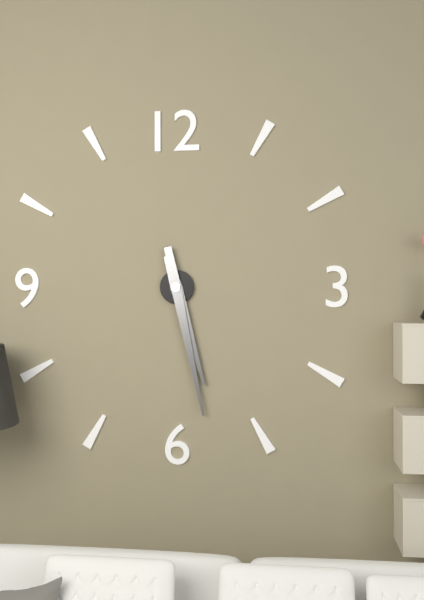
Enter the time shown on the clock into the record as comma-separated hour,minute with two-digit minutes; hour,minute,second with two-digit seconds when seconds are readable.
5,28
